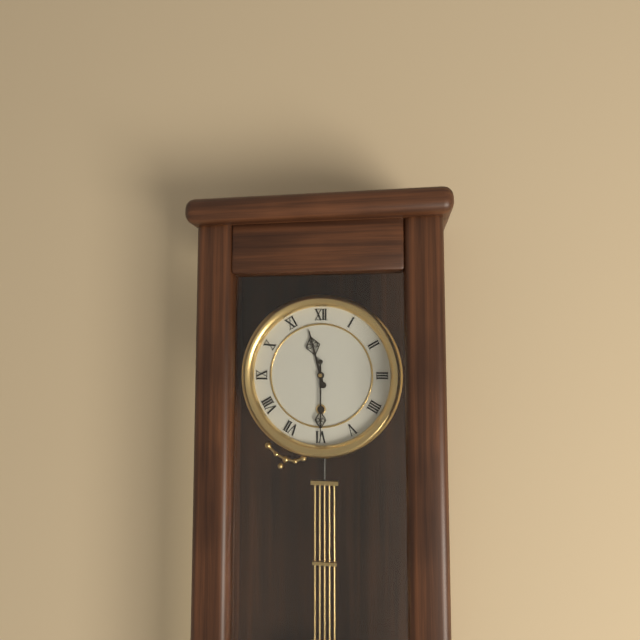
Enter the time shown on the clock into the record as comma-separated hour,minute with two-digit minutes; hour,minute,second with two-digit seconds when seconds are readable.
11,30
